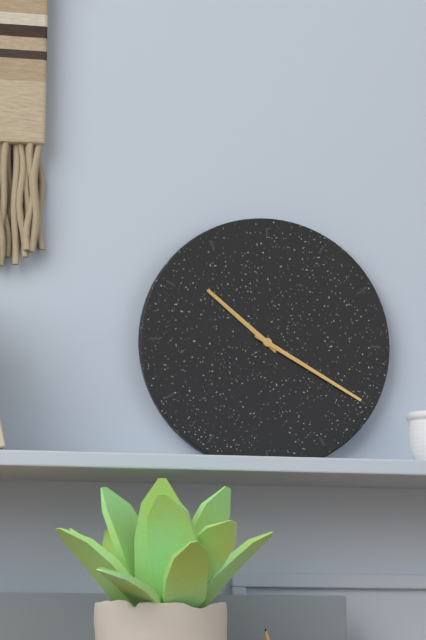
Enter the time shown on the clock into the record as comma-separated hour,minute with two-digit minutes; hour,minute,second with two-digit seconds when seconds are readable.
10,20
